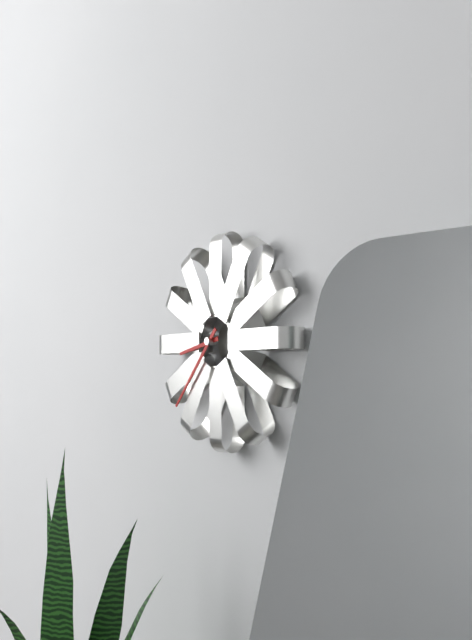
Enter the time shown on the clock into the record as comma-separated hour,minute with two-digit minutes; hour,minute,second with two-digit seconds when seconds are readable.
8,37
